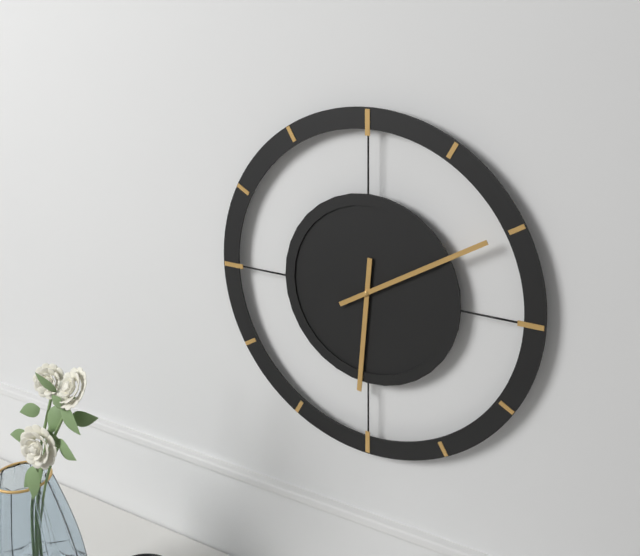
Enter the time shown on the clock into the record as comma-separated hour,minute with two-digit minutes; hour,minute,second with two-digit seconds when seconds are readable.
6,10
